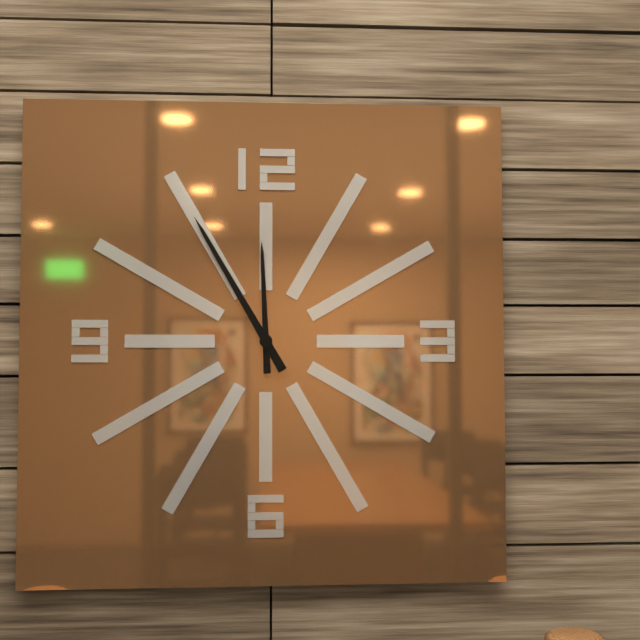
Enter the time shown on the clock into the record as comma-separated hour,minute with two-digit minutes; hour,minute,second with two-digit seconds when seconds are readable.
11,55
